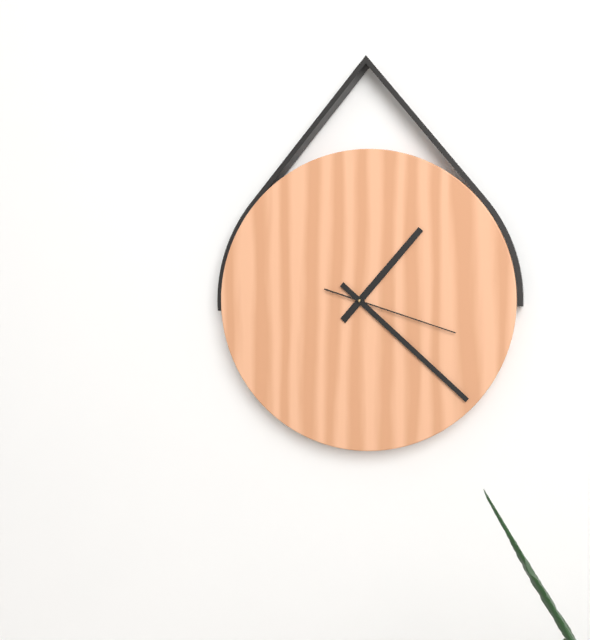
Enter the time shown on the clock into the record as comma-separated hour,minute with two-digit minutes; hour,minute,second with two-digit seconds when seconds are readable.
1,22,18
